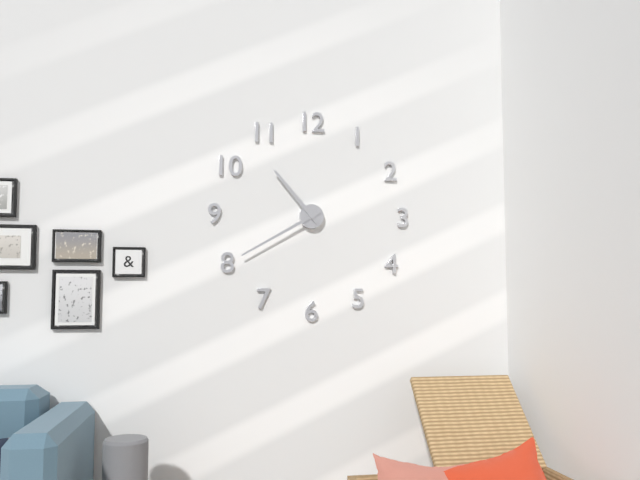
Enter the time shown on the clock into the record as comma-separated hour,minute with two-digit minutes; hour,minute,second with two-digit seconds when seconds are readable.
10,40
